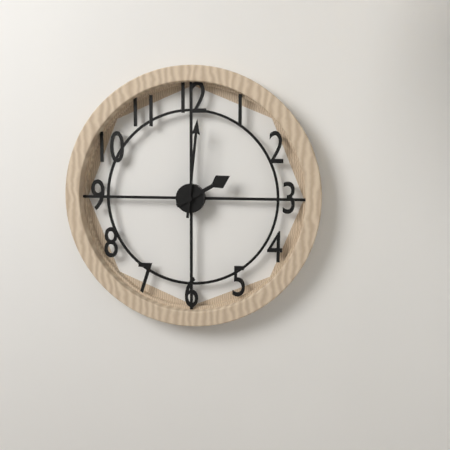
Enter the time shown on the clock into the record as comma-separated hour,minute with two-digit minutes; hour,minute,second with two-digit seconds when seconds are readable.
2,01
